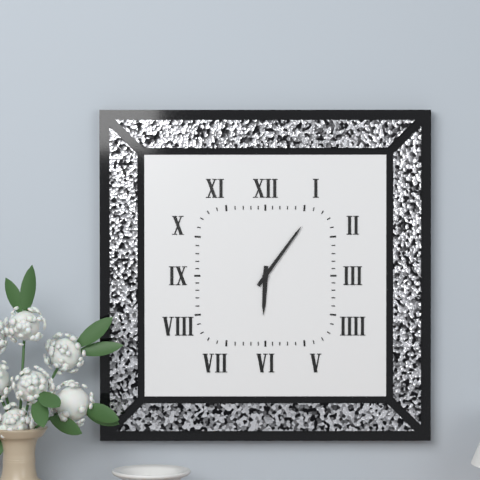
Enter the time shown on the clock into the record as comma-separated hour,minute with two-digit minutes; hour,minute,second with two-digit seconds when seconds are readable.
6,06
